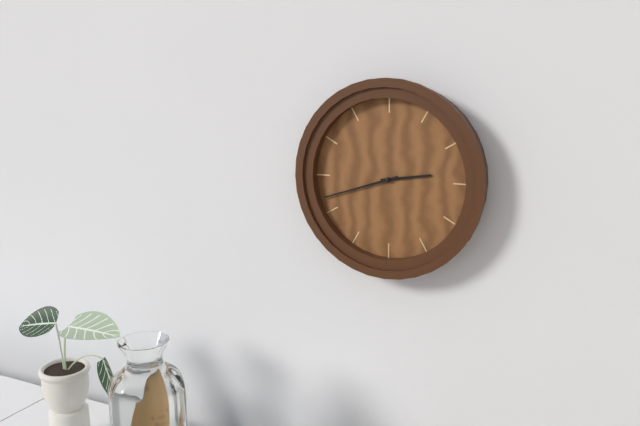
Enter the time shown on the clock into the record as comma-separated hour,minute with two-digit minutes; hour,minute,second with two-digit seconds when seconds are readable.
2,42
